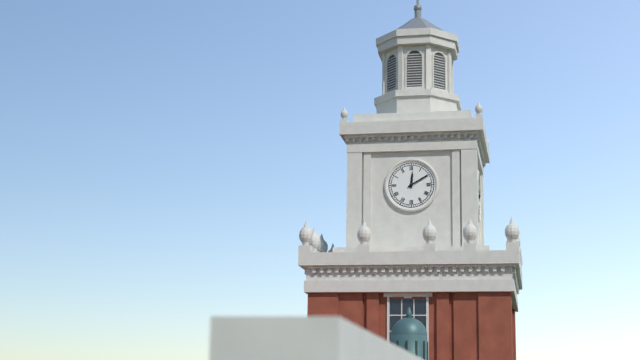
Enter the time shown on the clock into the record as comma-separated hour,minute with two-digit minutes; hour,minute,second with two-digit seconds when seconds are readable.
12,10
